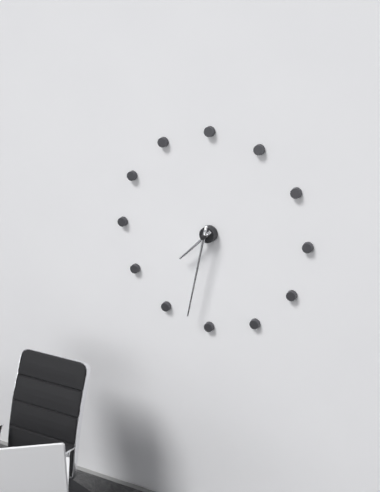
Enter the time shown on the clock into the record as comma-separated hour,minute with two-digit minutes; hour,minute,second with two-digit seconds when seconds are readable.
7,32
